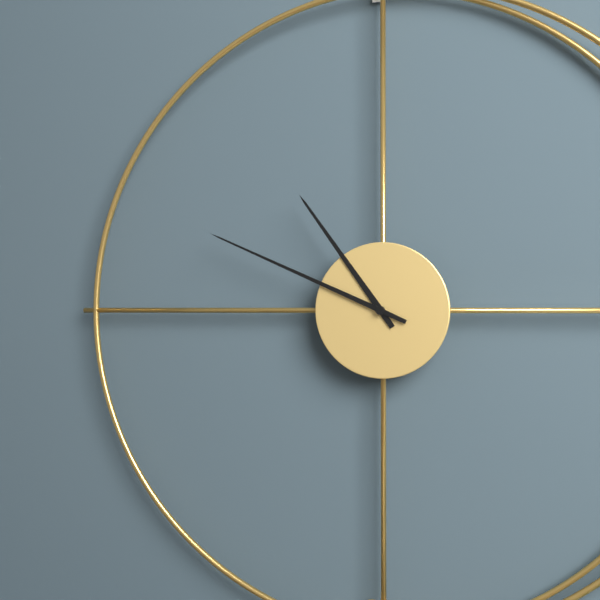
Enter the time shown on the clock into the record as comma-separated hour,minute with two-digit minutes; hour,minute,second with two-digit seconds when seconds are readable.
10,49
